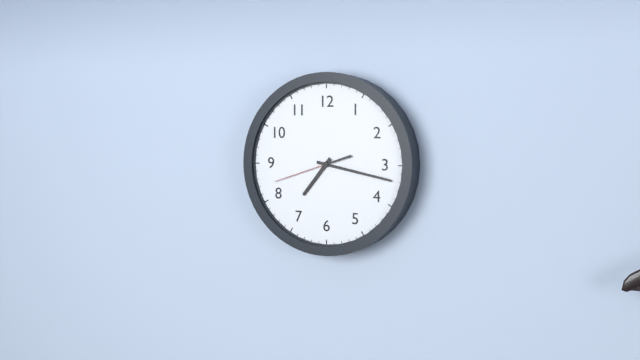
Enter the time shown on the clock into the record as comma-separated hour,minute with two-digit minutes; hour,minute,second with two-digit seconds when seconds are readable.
7,17,42
